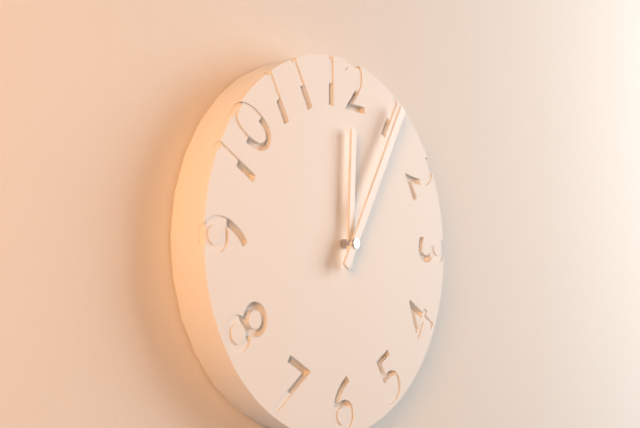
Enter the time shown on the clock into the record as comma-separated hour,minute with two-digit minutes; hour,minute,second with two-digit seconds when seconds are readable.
12,05
